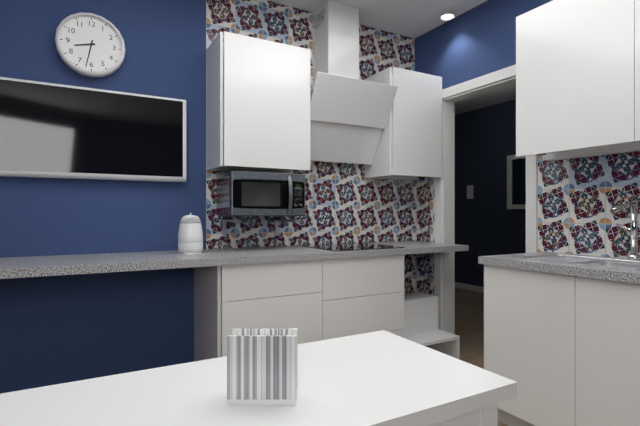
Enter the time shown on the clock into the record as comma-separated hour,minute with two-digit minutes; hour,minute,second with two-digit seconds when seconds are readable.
8,32
